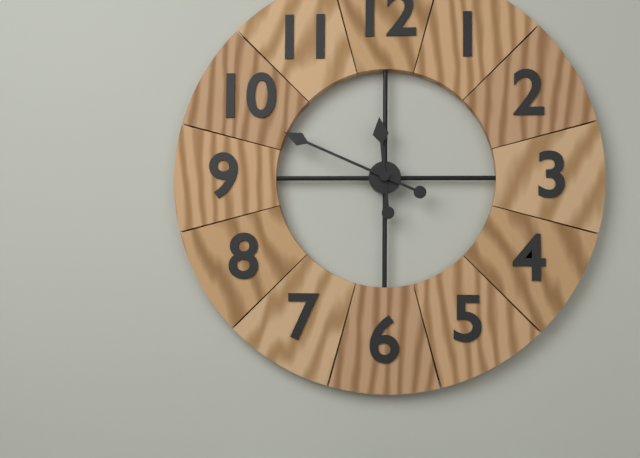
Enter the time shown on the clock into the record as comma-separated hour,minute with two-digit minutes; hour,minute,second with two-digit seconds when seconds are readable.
11,49
